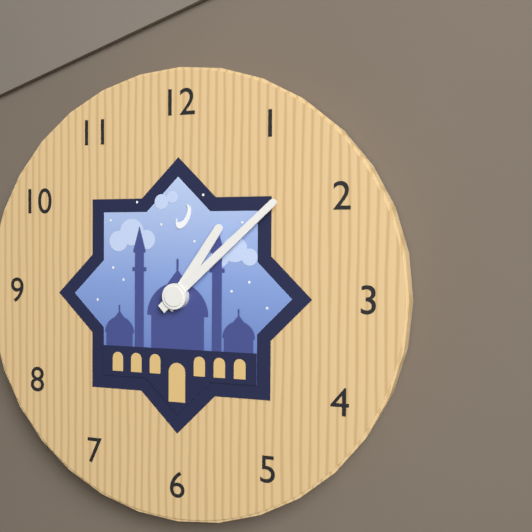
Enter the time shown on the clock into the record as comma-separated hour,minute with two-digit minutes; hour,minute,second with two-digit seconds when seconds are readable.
1,08
